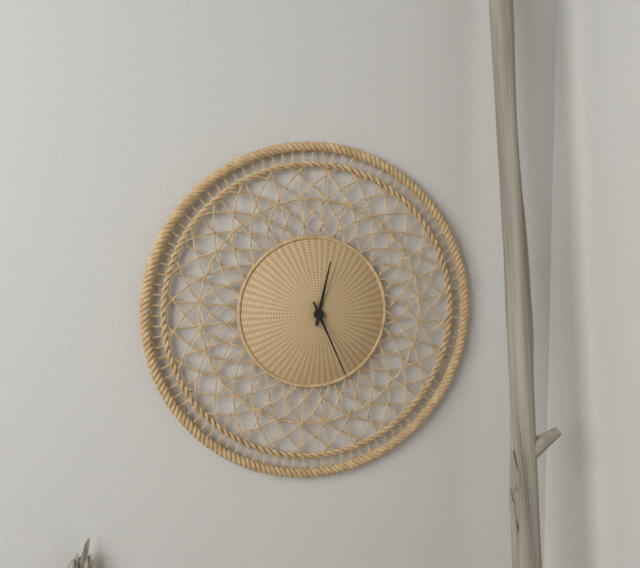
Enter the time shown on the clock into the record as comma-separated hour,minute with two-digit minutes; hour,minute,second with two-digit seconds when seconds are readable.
12,26
